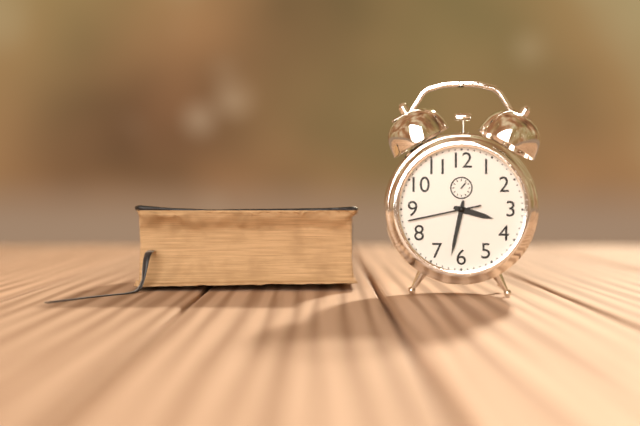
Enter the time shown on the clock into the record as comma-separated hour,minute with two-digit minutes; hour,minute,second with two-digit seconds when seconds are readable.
3,32,43
